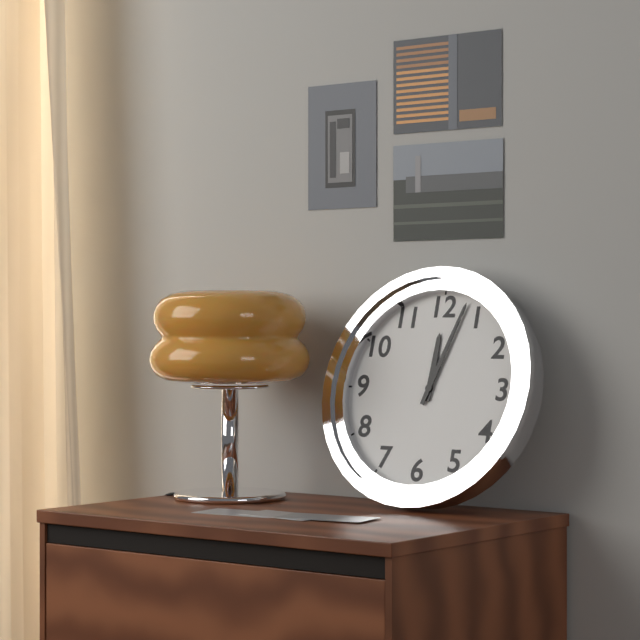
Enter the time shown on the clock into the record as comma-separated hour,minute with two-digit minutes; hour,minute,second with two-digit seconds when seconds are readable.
12,03
